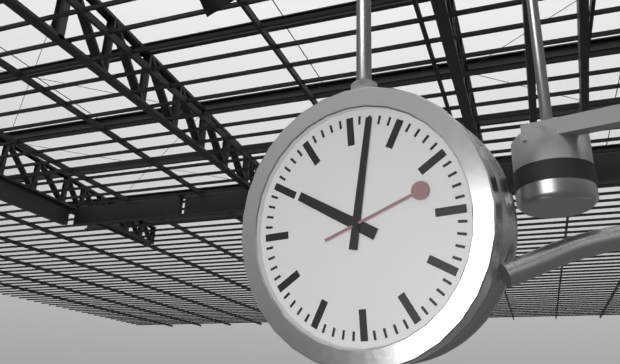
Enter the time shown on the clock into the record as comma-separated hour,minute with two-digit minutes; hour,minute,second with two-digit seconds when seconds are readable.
10,02,12
